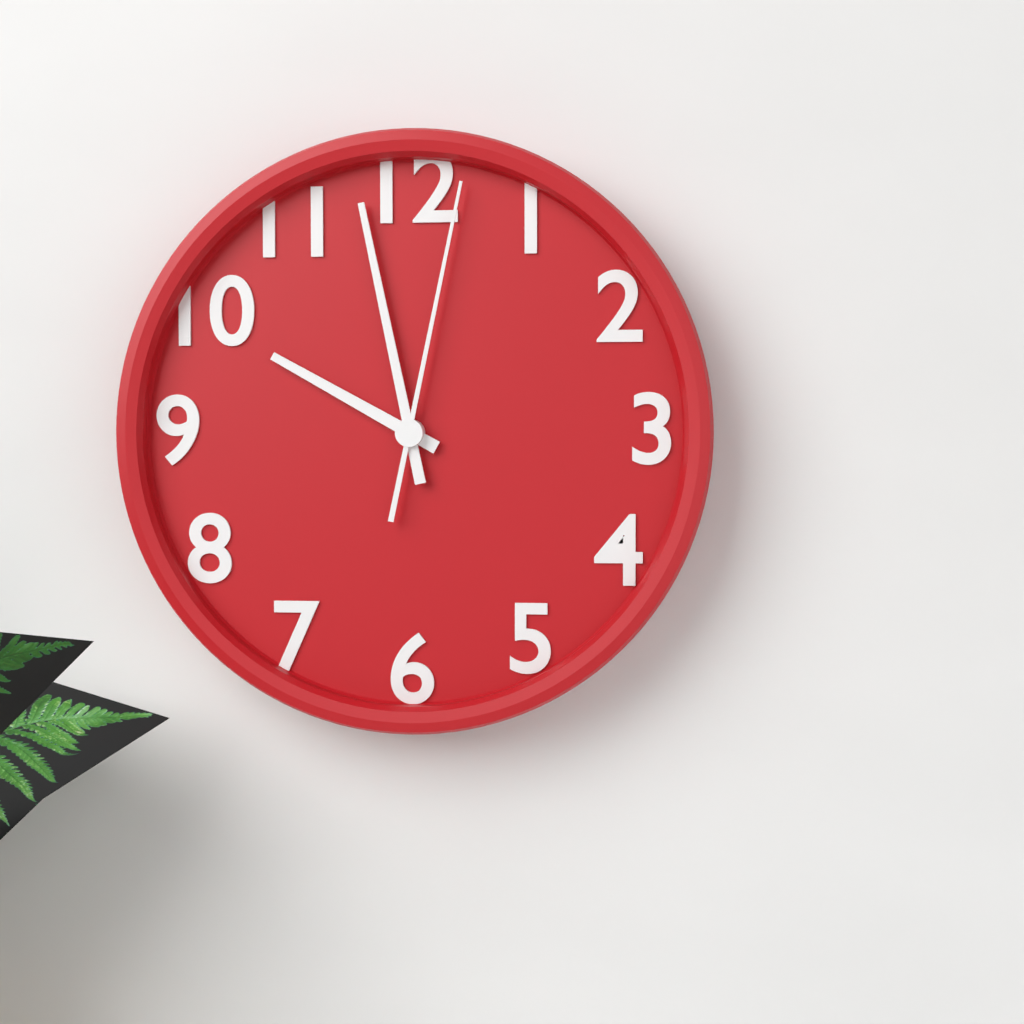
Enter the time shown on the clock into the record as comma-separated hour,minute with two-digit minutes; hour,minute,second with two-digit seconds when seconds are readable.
9,58,02
